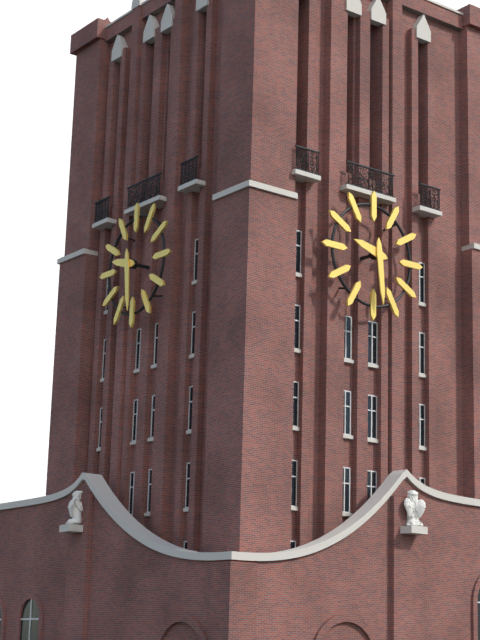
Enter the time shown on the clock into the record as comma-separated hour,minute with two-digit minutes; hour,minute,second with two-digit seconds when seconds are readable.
9,29
